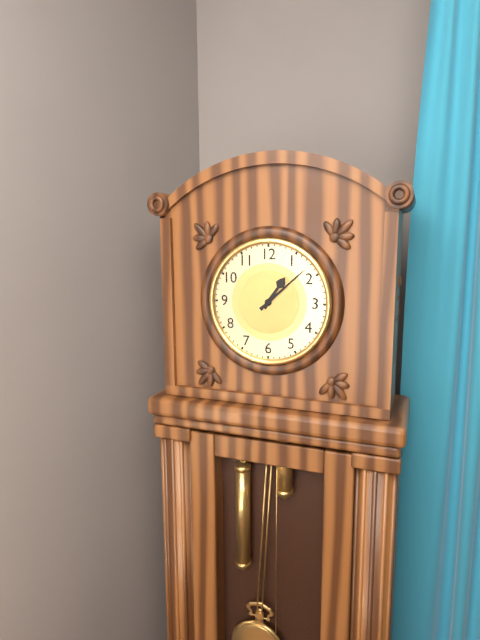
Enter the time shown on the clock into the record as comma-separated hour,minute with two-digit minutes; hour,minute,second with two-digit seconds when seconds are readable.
1,08
